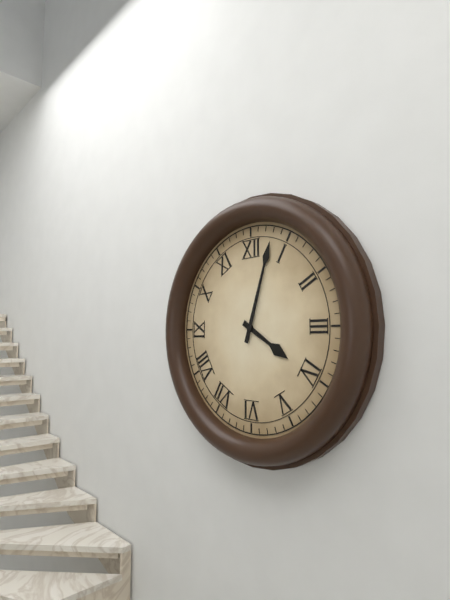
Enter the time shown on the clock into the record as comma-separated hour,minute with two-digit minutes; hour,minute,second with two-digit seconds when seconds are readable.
4,03
